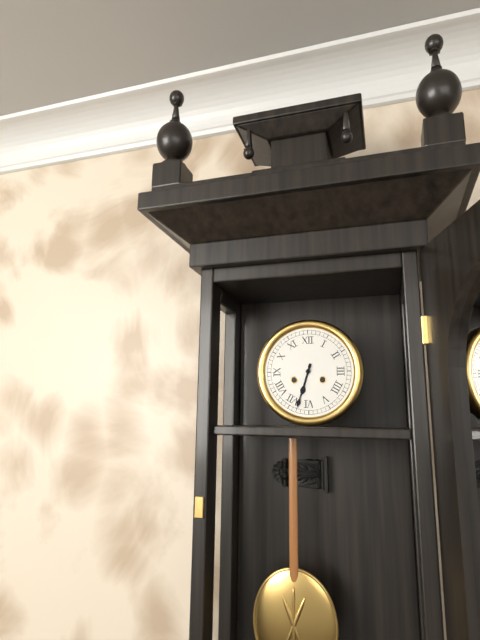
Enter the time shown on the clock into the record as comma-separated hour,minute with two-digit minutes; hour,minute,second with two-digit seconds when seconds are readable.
6,33
